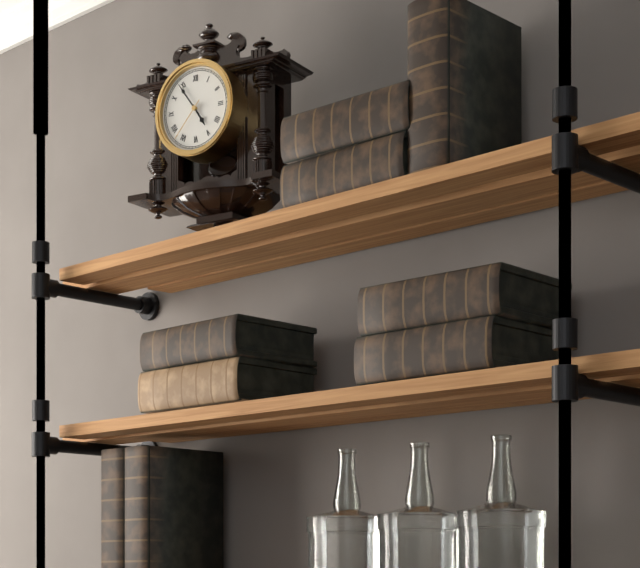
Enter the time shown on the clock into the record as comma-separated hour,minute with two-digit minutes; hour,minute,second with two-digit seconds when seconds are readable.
4,54
